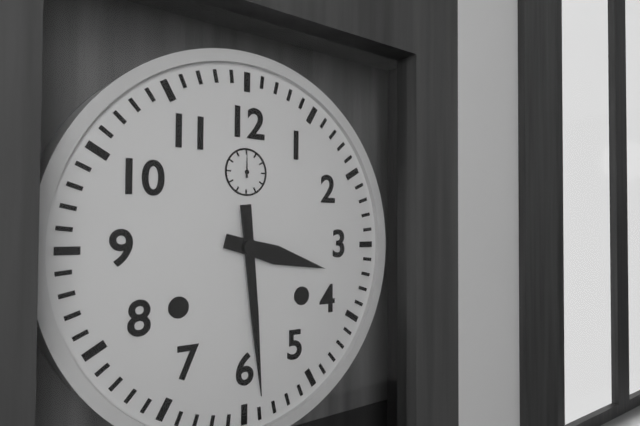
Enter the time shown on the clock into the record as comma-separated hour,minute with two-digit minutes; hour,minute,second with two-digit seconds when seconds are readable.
3,29
